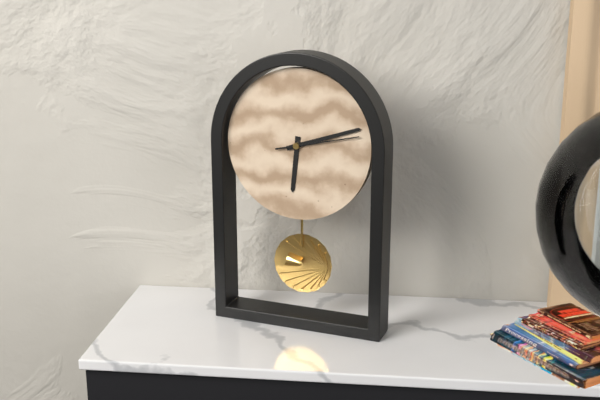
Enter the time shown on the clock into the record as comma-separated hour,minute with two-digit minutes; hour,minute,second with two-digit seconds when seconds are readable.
6,12,13
